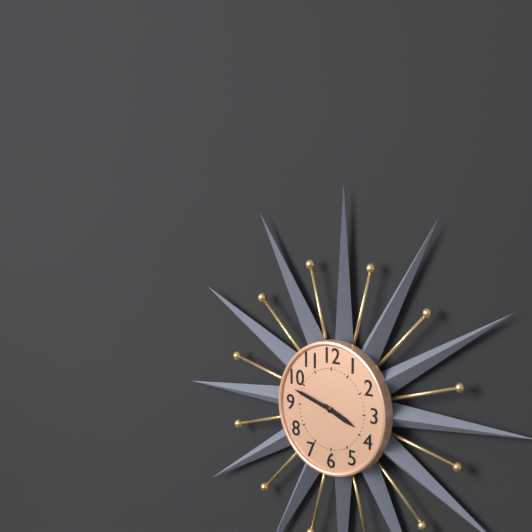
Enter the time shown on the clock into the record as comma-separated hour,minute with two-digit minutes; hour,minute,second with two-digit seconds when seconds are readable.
3,48
